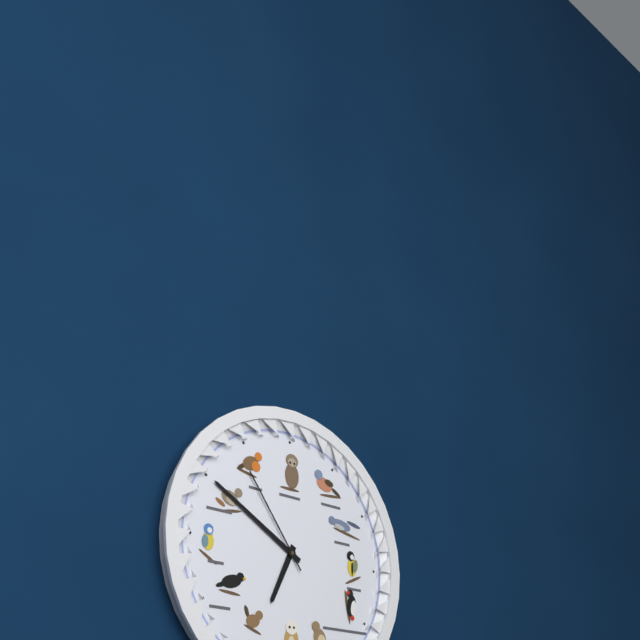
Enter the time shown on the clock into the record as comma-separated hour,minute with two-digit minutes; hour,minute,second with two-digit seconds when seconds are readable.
6,50,54
